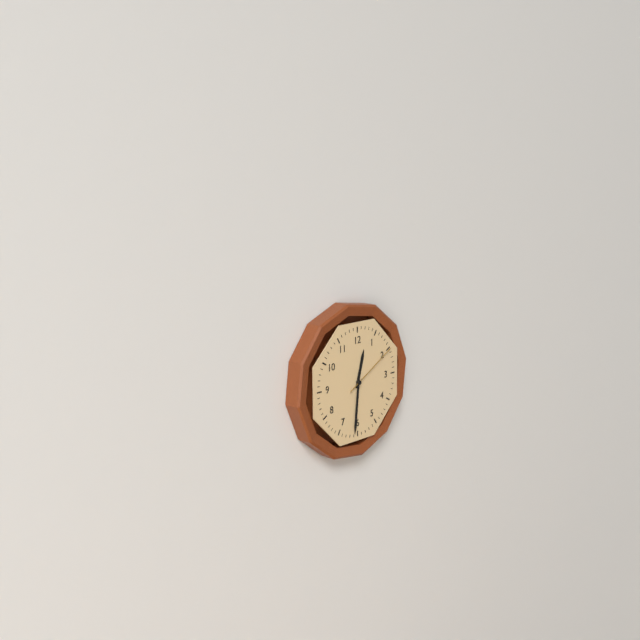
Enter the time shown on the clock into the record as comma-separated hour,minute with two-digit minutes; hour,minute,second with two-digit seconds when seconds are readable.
12,31,10
